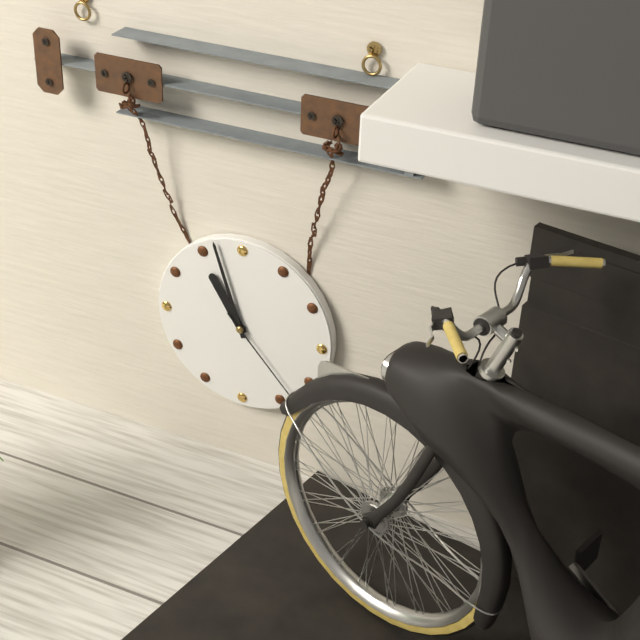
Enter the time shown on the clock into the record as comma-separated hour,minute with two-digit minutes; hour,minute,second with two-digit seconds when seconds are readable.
10,57,23
